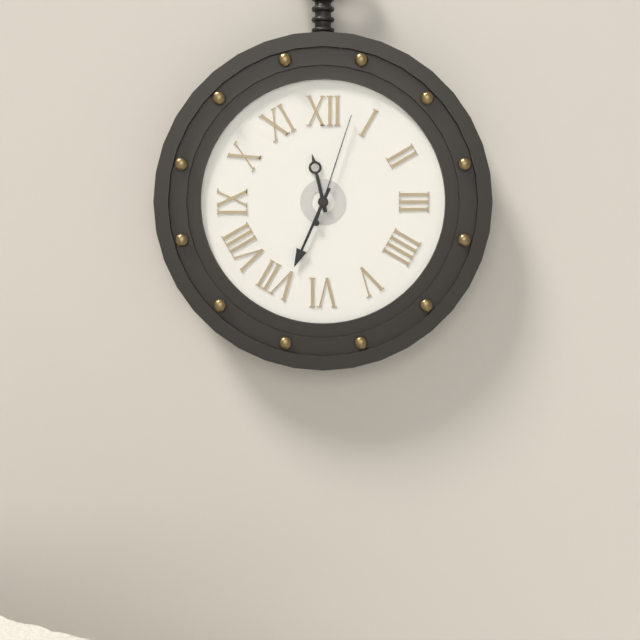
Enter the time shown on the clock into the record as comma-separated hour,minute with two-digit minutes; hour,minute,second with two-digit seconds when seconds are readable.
11,34,03
